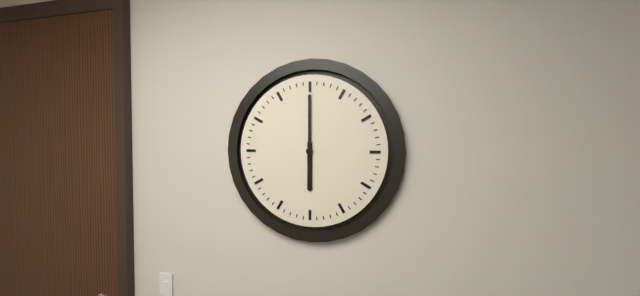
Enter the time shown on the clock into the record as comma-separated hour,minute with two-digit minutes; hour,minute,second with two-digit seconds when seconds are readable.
6,00
